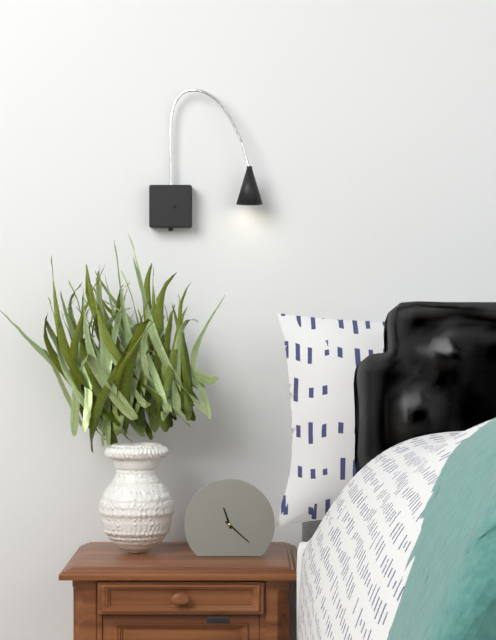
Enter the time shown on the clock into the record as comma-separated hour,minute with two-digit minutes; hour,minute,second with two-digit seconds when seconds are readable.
11,22
